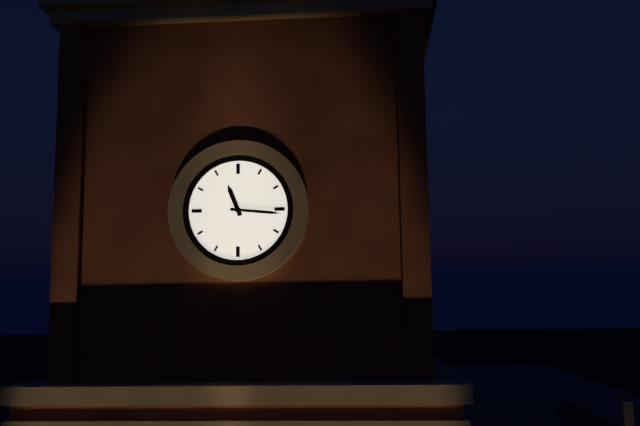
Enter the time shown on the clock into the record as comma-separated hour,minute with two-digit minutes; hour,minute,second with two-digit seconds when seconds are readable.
11,16
